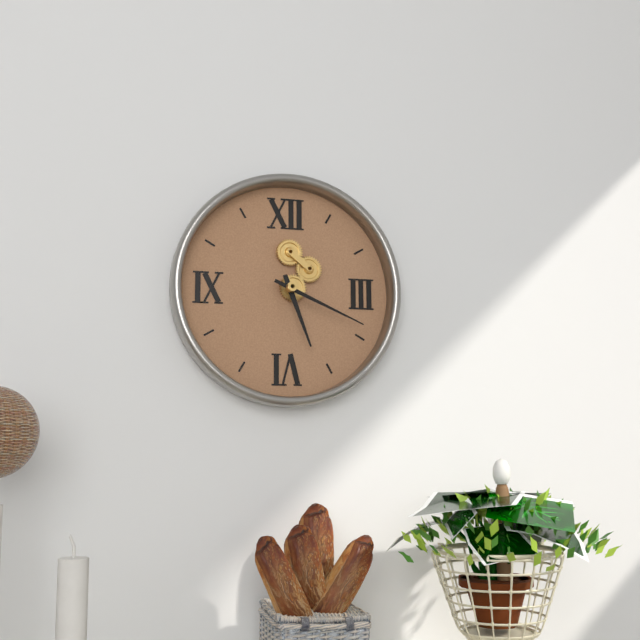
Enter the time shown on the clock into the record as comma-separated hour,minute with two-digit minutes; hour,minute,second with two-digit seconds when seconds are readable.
5,19
